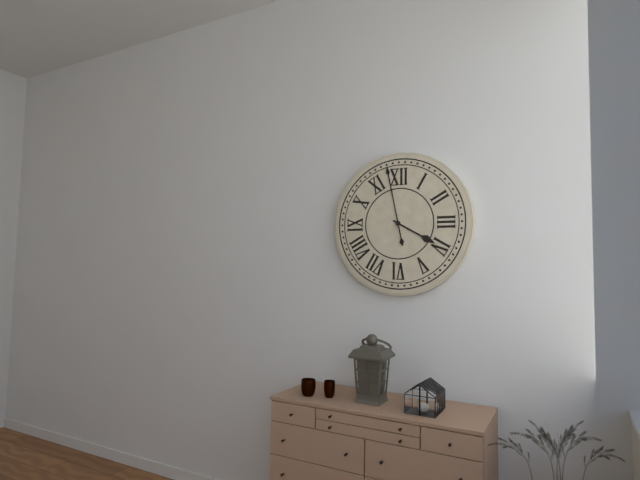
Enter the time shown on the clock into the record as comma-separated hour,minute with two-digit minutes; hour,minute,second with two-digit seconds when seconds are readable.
3,58
